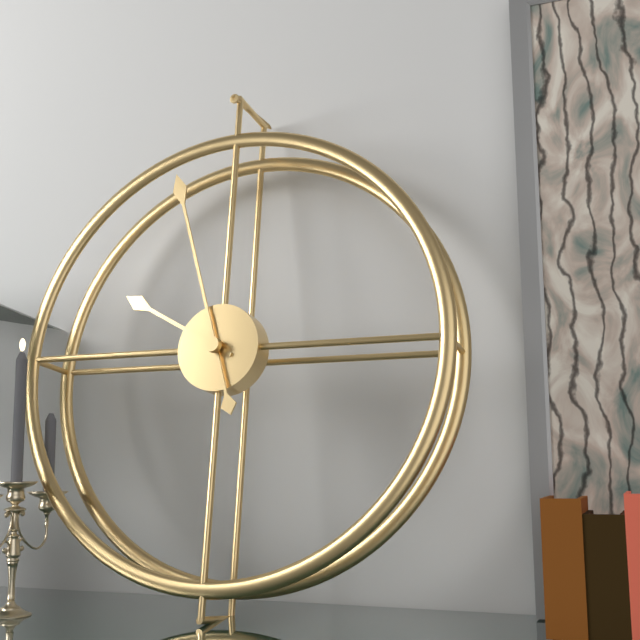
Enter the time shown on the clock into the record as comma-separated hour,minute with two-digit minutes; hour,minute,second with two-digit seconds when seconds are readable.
9,57
